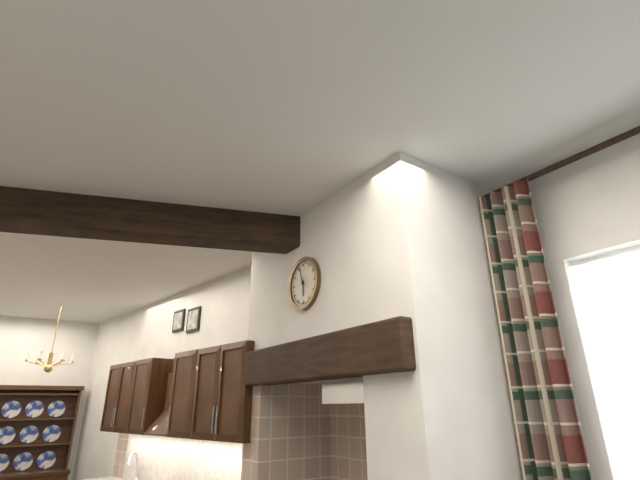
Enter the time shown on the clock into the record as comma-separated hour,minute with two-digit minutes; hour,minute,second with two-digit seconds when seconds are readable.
5,57
